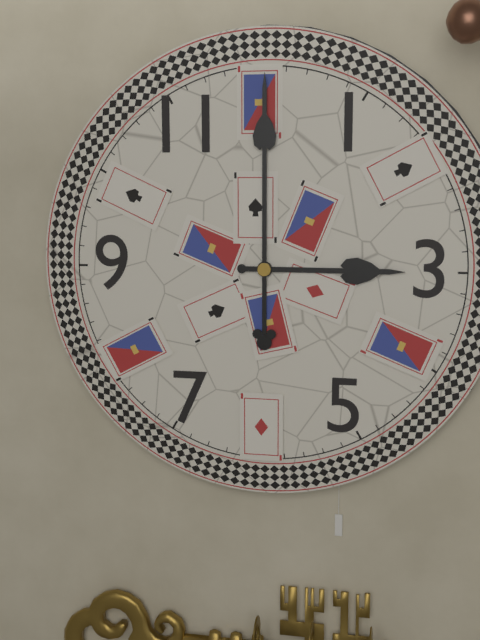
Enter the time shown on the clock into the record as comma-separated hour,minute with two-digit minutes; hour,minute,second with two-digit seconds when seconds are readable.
3,00
